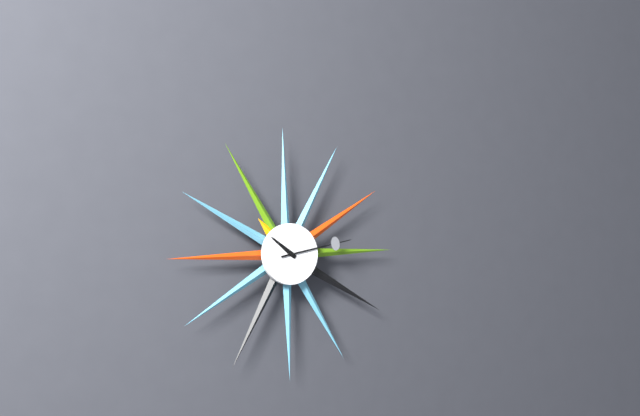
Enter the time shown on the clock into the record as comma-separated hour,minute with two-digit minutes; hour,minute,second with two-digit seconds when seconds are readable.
10,13
